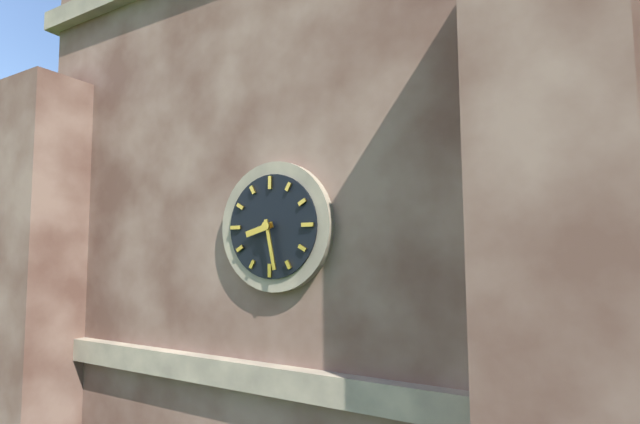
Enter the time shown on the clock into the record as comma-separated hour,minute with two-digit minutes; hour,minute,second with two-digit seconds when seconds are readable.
8,28
